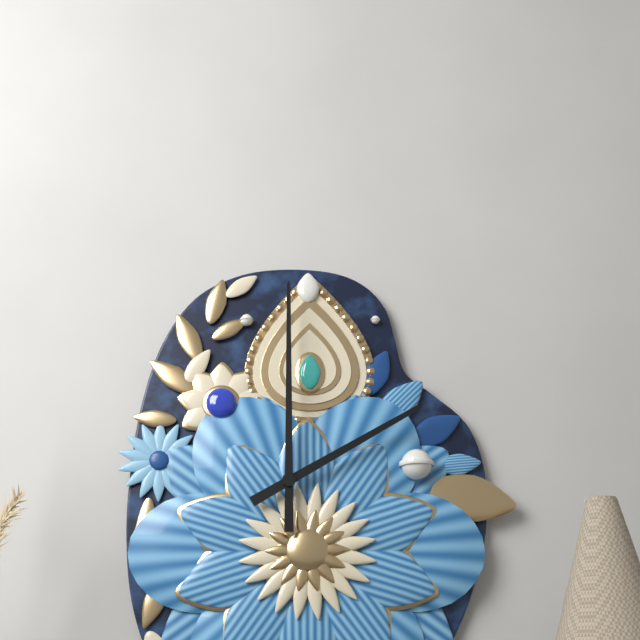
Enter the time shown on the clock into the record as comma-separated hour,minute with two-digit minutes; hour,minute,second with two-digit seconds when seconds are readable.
2,00
